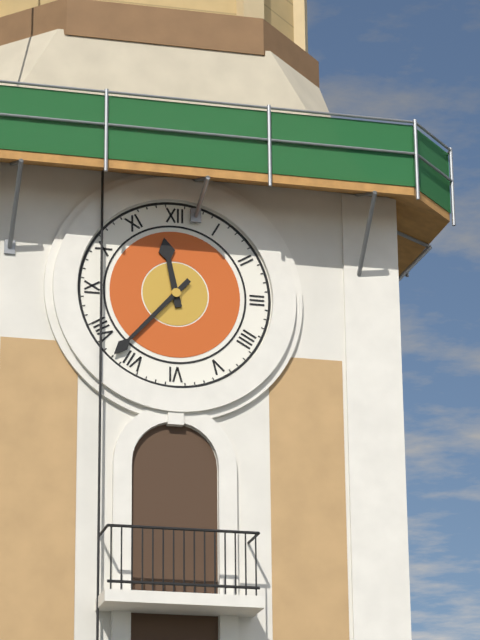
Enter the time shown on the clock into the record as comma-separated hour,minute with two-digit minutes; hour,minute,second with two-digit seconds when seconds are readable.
11,37
